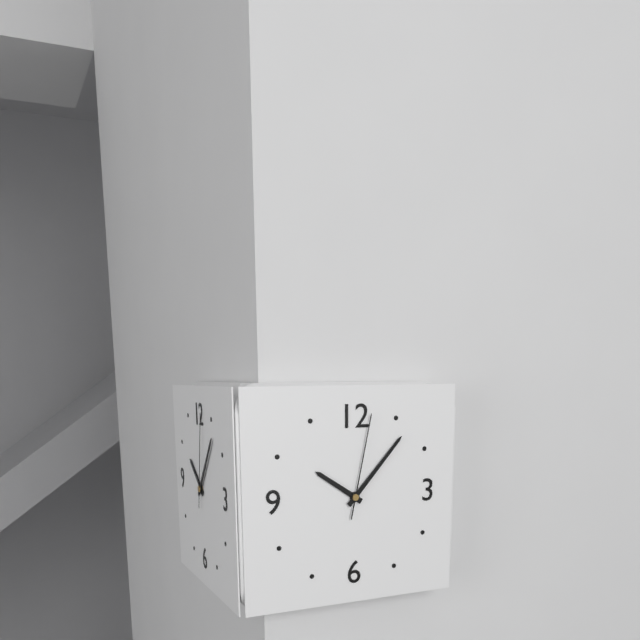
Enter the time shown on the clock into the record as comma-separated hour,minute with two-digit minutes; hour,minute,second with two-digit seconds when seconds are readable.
10,07,02
